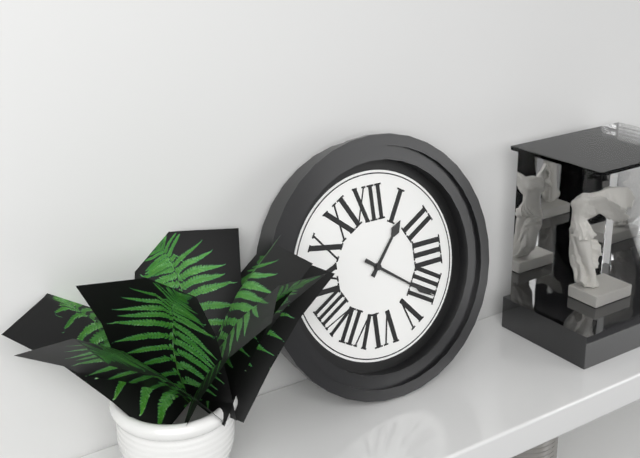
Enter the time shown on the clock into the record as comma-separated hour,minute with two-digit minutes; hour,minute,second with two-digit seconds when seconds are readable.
1,21
